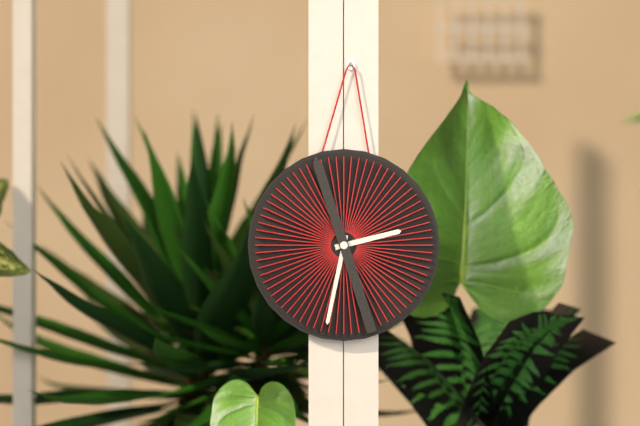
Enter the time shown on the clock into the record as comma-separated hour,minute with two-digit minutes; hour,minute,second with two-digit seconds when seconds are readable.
2,32,57
